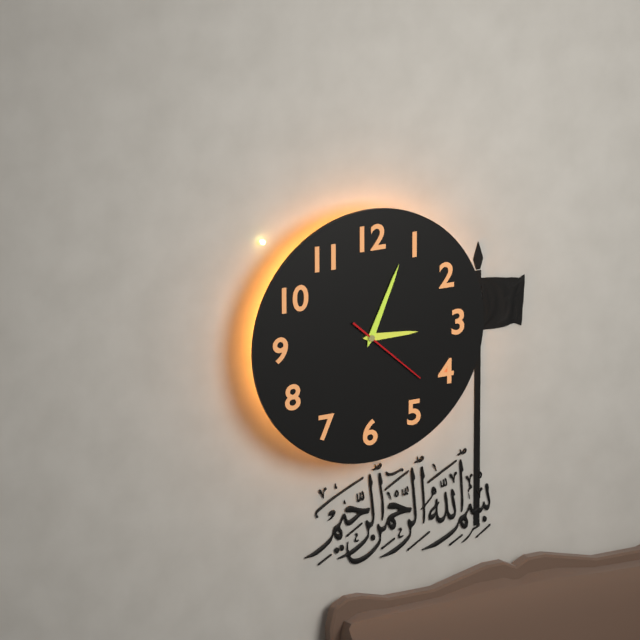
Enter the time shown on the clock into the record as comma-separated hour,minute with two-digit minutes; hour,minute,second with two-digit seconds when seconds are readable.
3,04,22
